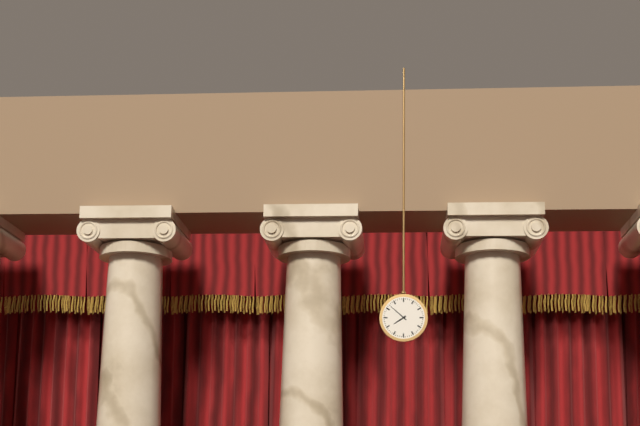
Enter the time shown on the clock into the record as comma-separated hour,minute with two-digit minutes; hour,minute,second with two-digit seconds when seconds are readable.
7,52
